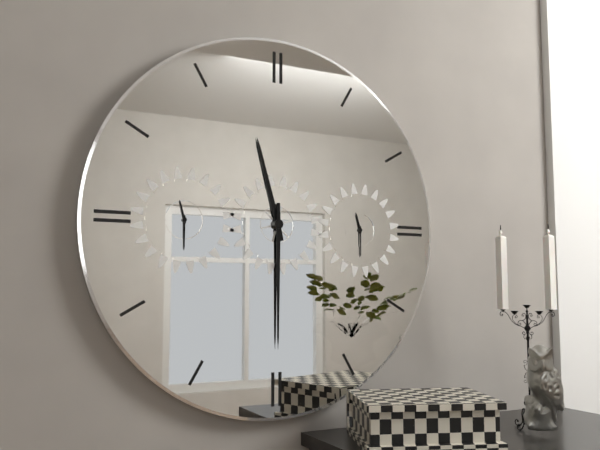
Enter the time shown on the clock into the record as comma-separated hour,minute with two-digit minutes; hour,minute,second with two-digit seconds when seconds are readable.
11,30
